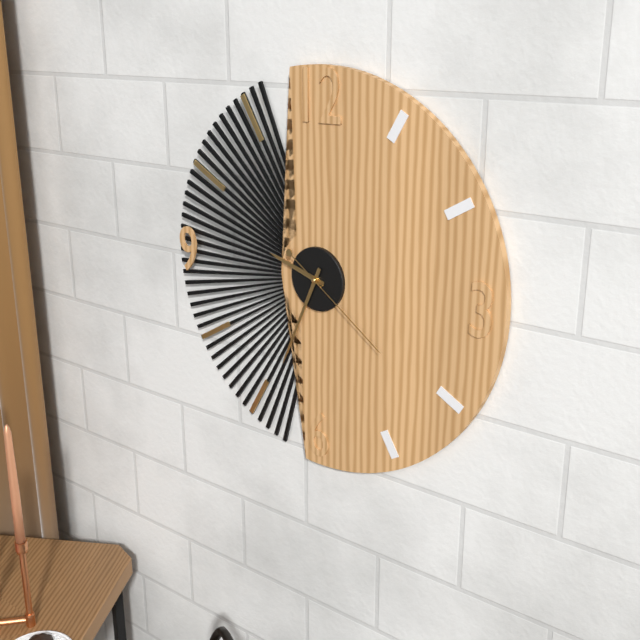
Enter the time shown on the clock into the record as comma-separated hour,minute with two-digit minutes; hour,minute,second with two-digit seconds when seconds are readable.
9,34,21
